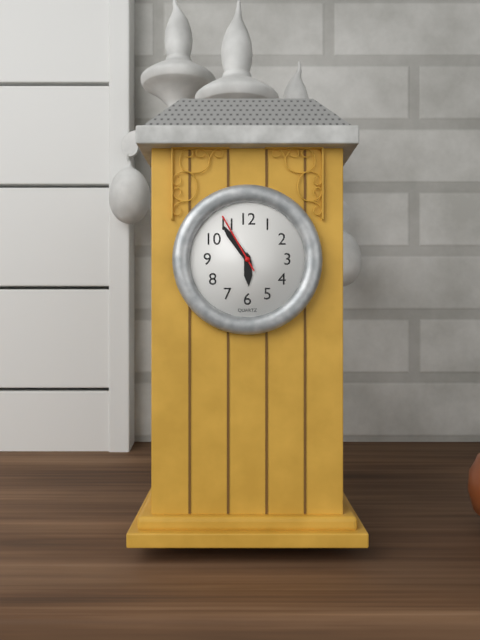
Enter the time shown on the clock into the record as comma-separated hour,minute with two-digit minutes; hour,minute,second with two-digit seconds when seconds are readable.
5,54,55
